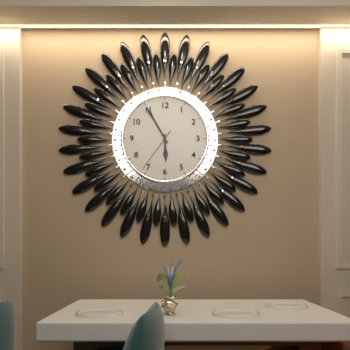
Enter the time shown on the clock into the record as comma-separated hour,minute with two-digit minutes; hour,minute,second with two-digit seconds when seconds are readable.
5,55
